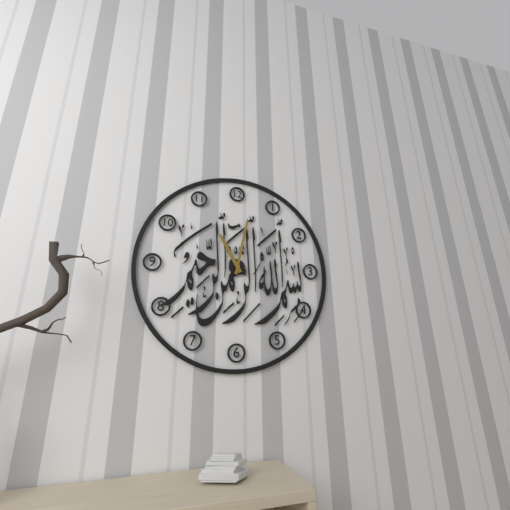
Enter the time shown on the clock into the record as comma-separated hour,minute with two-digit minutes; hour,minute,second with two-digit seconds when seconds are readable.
11,02
